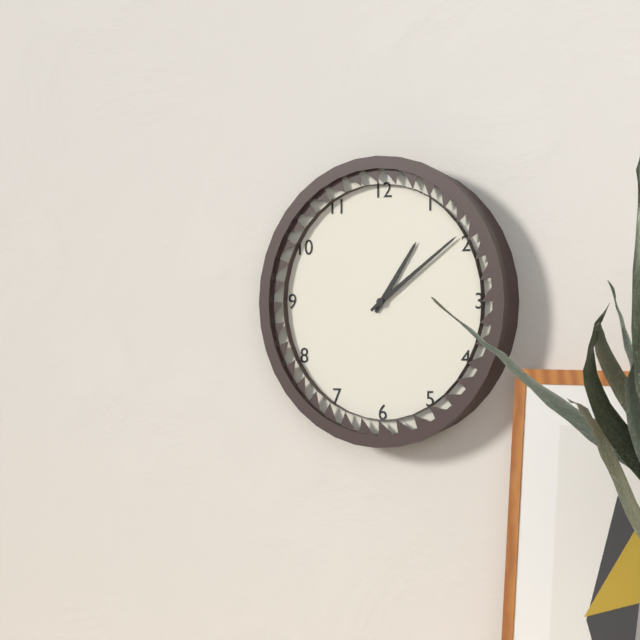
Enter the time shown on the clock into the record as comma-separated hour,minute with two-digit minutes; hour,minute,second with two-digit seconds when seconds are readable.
1,09
